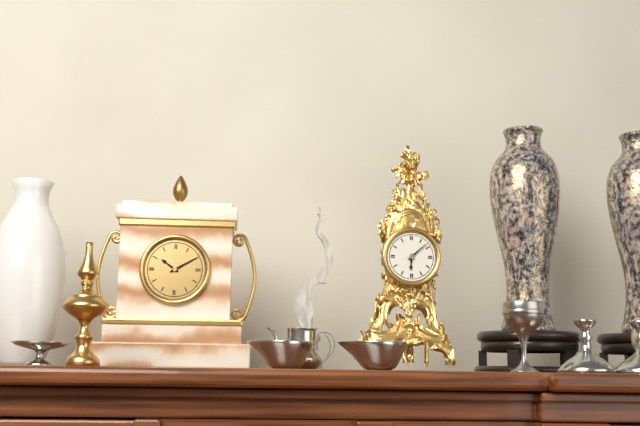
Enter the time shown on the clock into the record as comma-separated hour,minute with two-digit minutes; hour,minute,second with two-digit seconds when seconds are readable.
6,08
